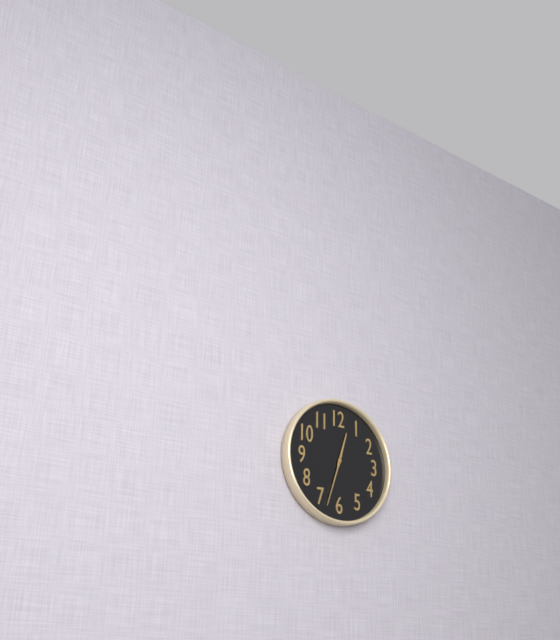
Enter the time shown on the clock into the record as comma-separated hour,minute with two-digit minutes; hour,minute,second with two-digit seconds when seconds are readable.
12,33
